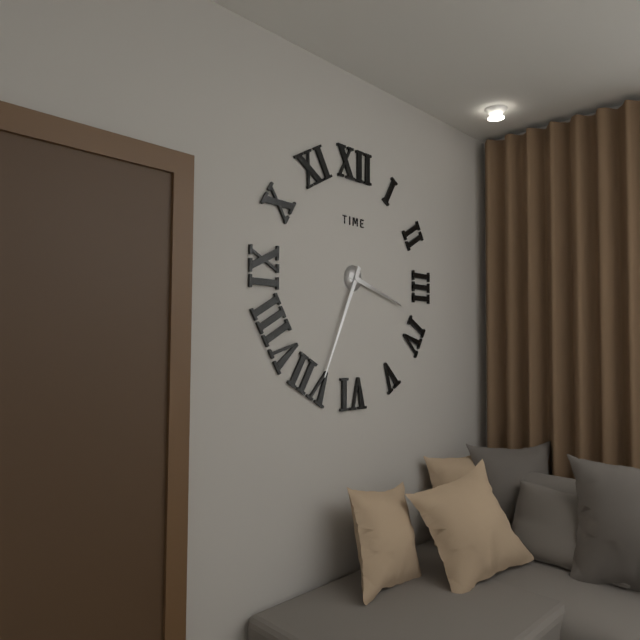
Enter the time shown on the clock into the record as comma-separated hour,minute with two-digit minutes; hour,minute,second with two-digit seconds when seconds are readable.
3,34
